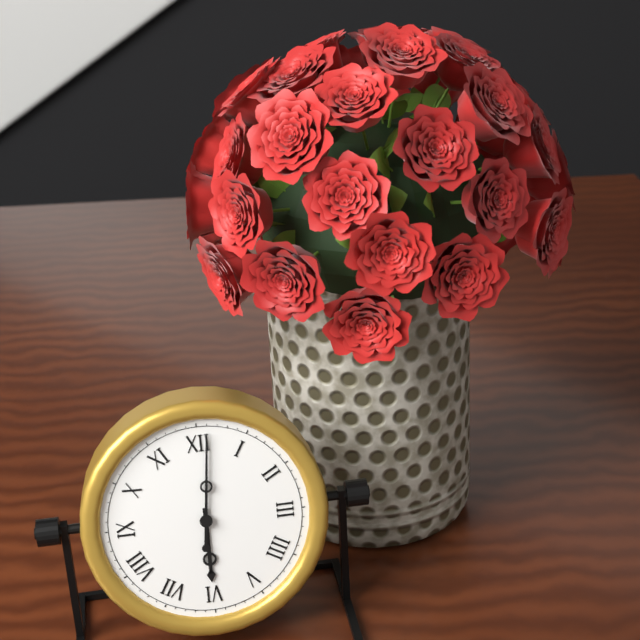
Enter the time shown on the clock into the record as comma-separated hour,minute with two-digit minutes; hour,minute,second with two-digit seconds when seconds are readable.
6,01
